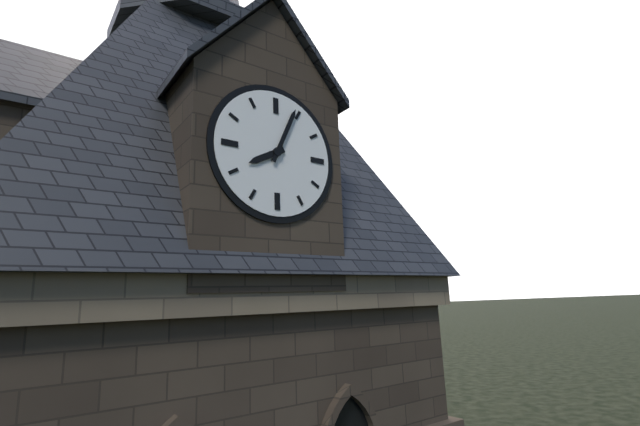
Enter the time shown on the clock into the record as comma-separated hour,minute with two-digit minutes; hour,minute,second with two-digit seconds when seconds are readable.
8,04
